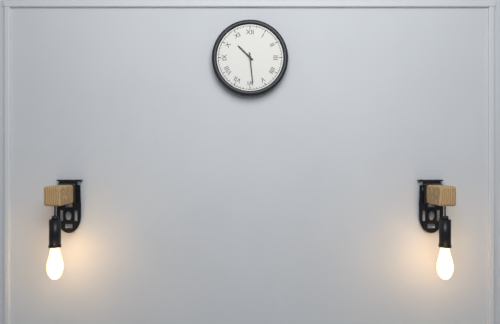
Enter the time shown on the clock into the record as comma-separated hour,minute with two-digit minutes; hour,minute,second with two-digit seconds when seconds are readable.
10,29
